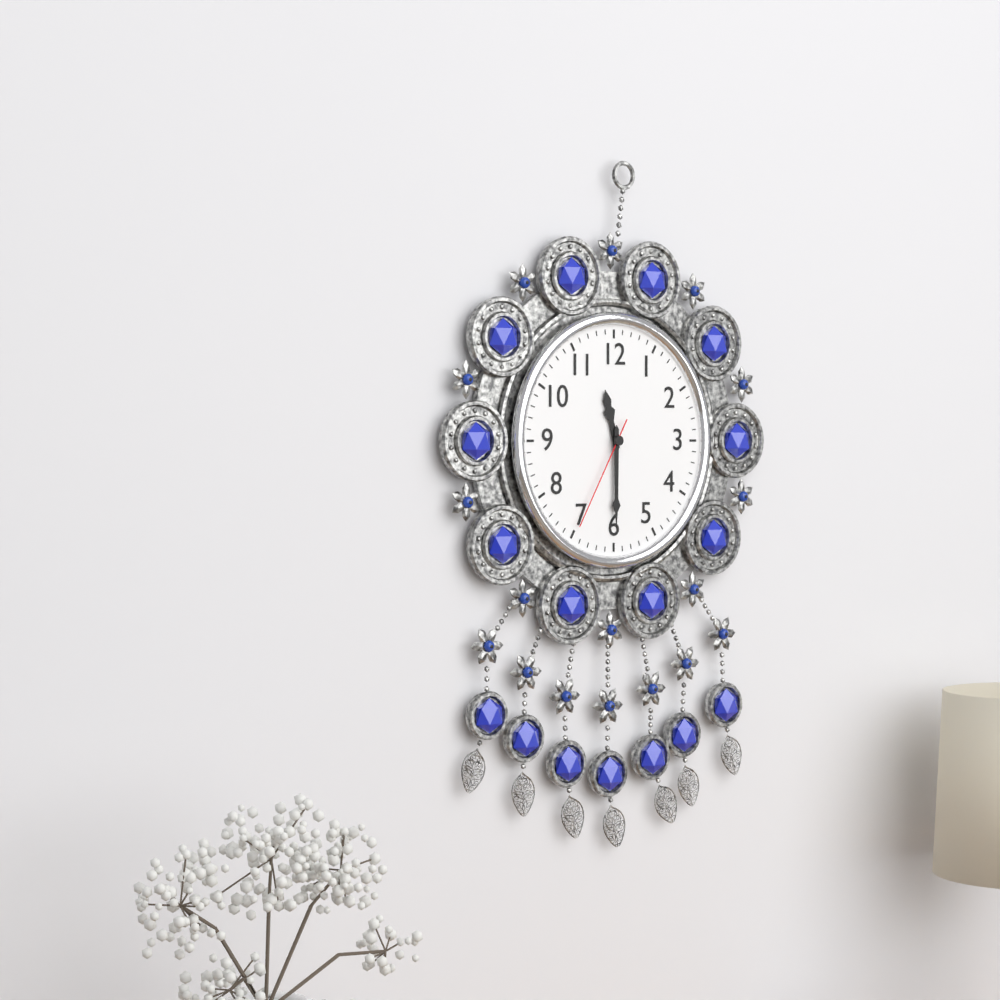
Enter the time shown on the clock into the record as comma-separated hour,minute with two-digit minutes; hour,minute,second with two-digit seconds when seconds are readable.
11,30,35
